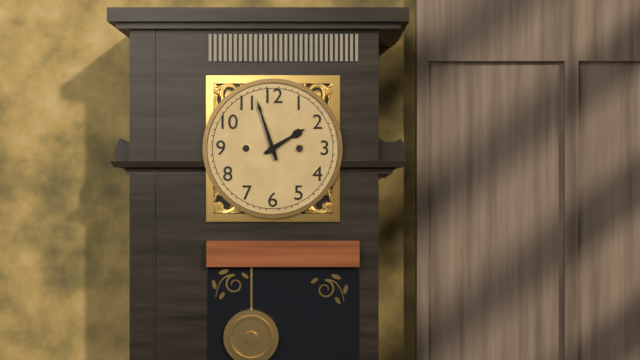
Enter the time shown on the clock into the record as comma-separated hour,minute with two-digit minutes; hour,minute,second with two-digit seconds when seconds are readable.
1,57
